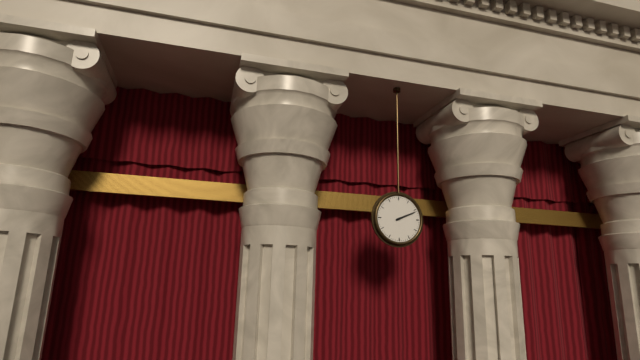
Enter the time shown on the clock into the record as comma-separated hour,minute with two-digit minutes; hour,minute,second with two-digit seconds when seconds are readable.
2,11
